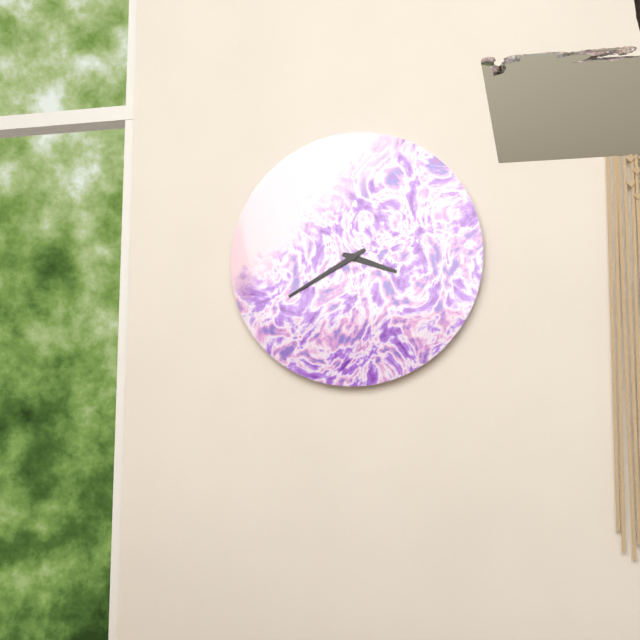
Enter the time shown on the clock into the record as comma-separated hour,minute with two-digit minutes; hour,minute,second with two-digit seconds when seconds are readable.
3,40
